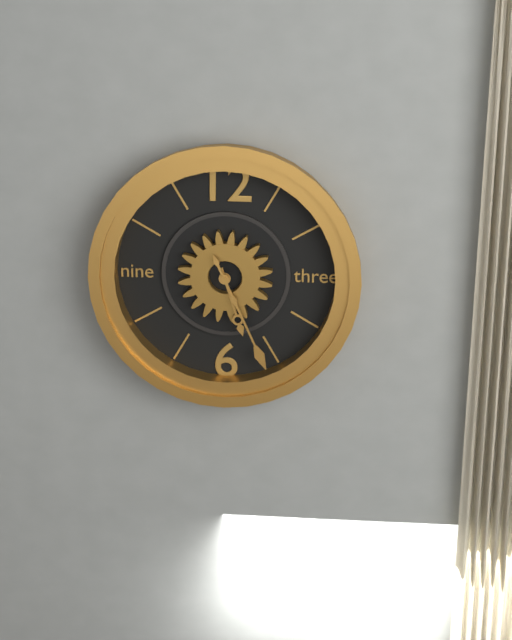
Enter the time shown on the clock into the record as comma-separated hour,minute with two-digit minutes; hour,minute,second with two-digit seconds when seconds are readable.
5,26
